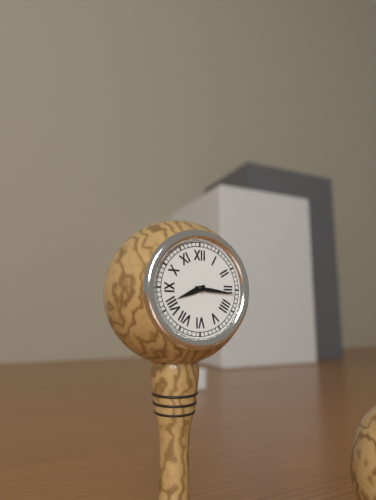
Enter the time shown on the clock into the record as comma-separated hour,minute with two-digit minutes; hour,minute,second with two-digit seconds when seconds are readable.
8,16
